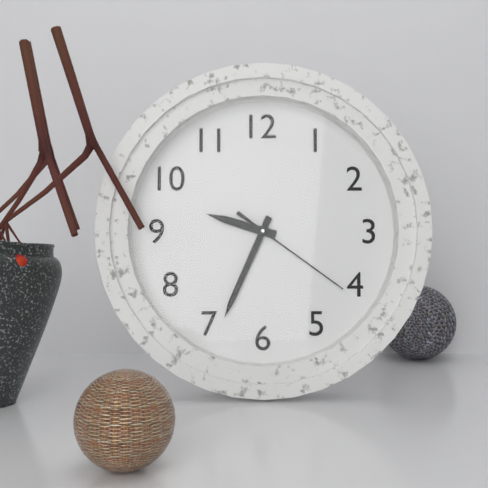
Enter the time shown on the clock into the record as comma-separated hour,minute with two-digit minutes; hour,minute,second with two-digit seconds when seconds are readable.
9,34,21
